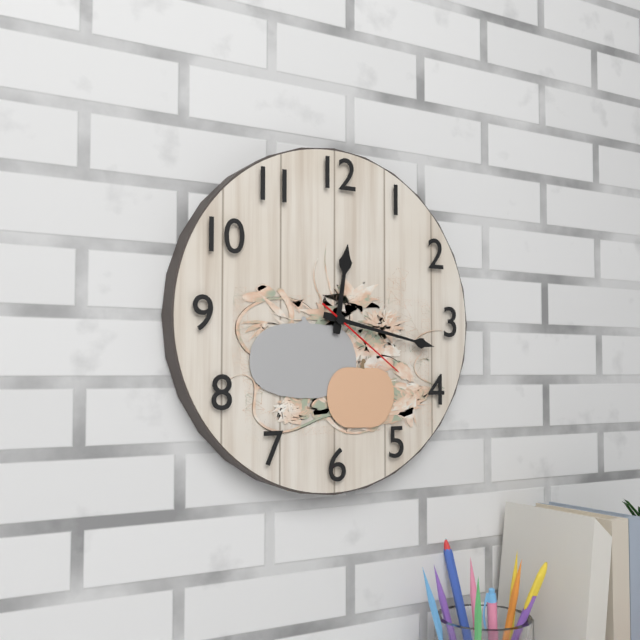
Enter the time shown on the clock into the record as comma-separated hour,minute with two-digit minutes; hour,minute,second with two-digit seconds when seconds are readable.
12,17,21
